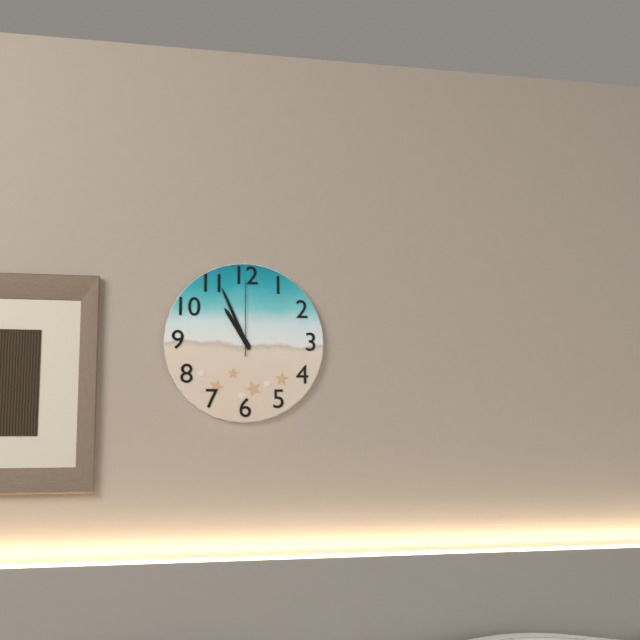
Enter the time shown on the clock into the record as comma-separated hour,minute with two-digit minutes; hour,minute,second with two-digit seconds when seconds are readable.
10,56,00
